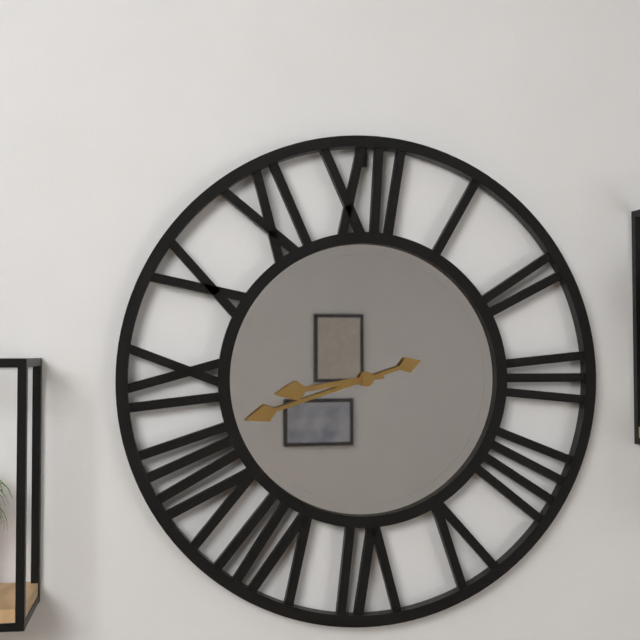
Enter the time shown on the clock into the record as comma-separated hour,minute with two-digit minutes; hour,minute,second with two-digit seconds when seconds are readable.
8,42
